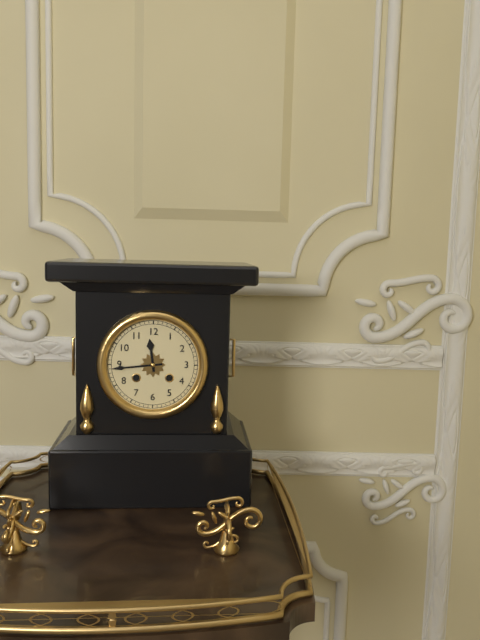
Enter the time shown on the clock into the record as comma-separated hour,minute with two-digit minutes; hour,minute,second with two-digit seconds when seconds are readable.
11,44
